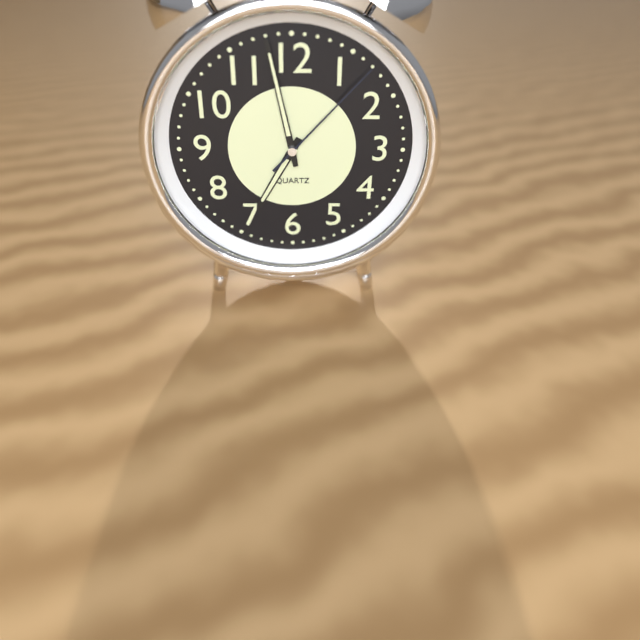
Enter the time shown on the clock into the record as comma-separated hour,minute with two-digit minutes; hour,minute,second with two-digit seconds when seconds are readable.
6,58,07
